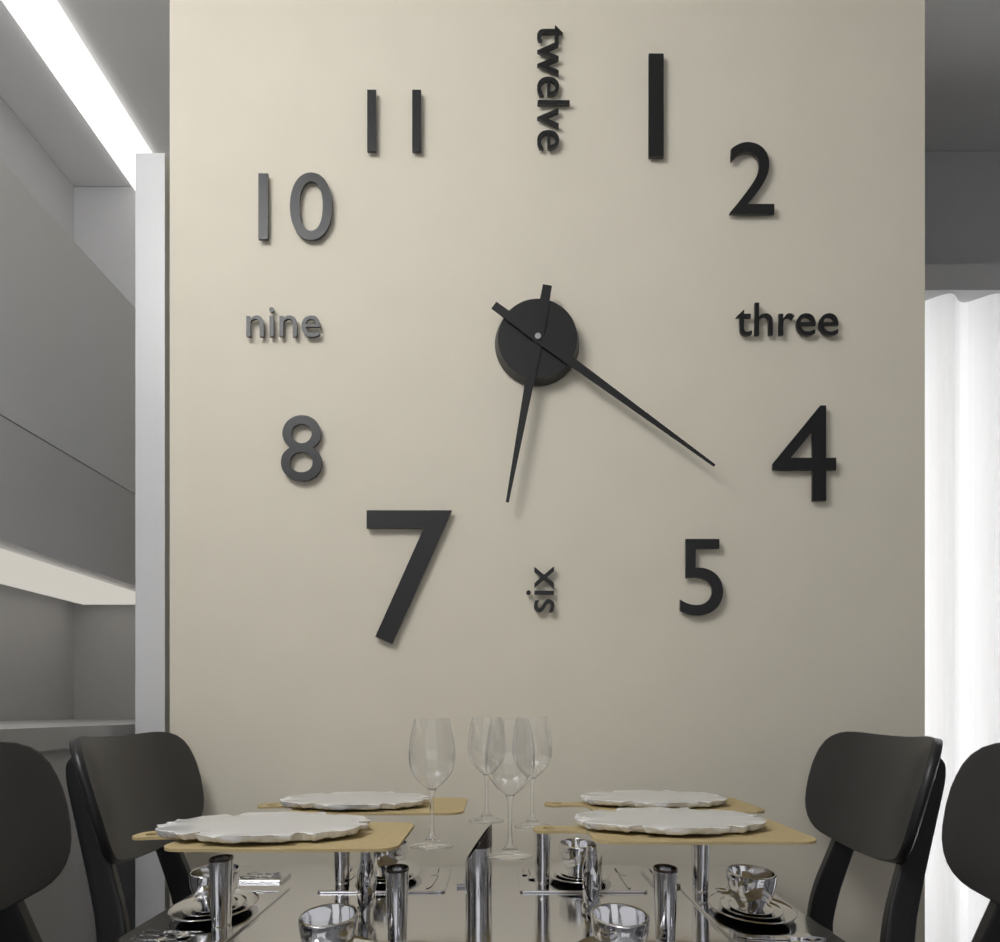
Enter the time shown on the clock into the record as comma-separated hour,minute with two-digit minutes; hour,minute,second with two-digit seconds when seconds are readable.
6,21
